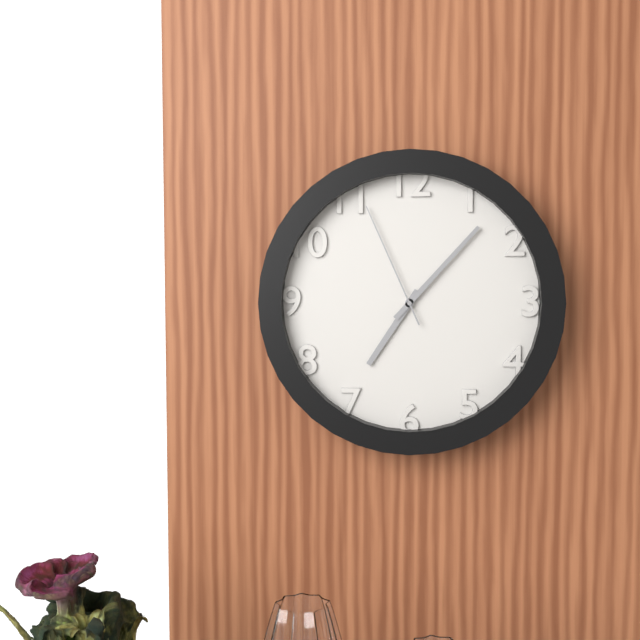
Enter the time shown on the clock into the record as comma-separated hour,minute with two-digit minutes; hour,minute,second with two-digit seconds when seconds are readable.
7,07,56
